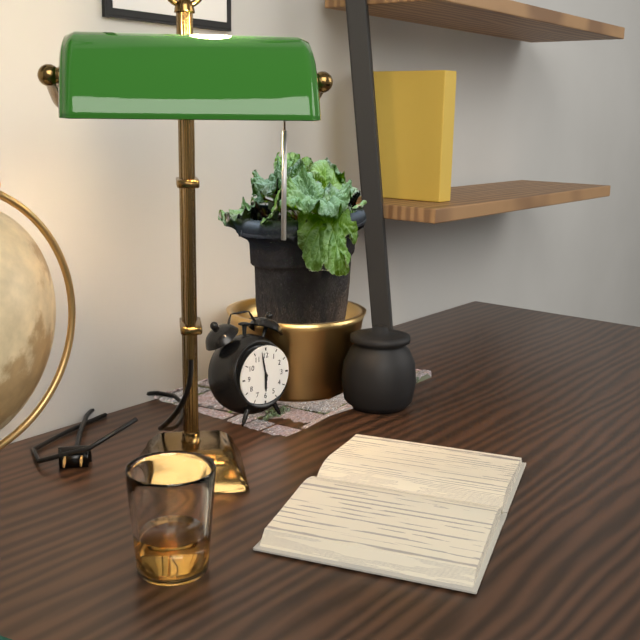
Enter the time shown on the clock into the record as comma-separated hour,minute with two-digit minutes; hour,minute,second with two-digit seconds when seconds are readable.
5,58
